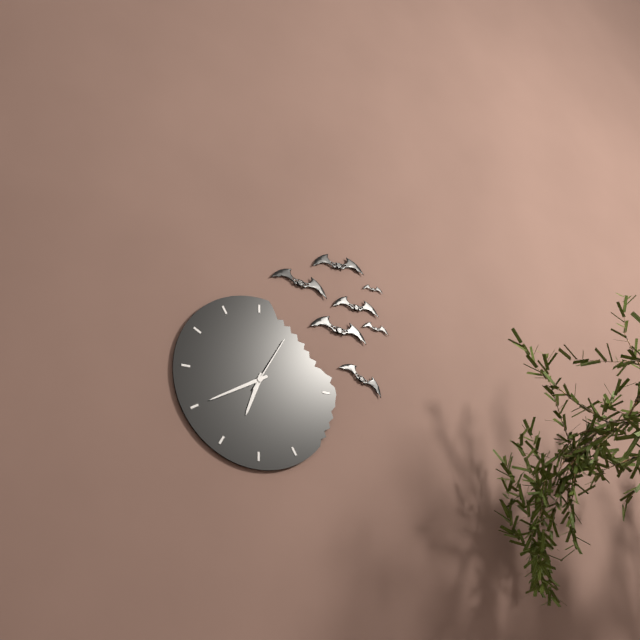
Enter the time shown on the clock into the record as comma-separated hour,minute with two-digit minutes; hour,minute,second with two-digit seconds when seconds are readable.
6,40,05
